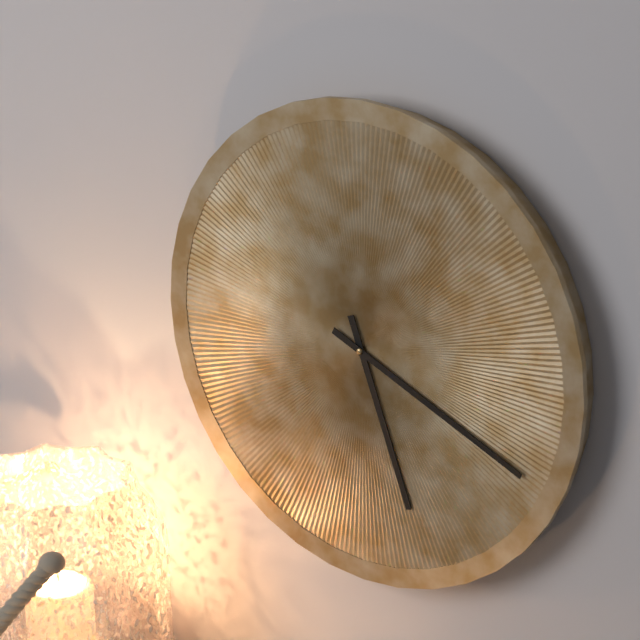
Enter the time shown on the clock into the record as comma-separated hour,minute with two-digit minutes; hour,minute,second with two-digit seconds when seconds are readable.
5,19
